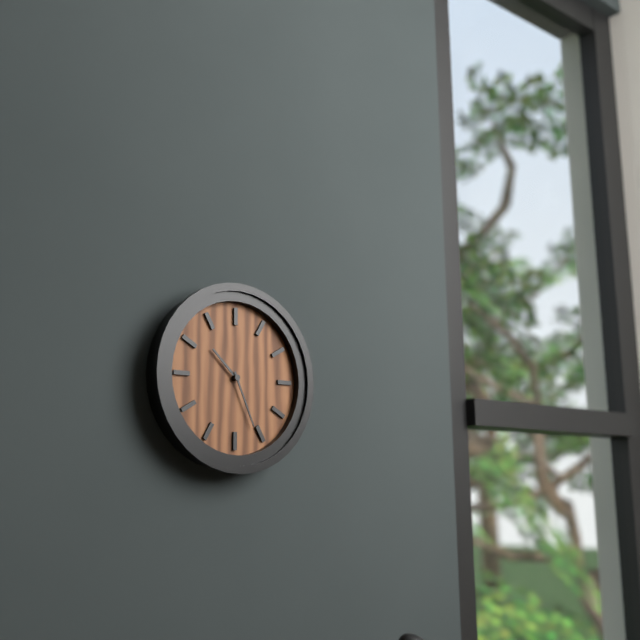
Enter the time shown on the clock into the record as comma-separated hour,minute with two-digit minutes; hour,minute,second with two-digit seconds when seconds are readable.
10,26
